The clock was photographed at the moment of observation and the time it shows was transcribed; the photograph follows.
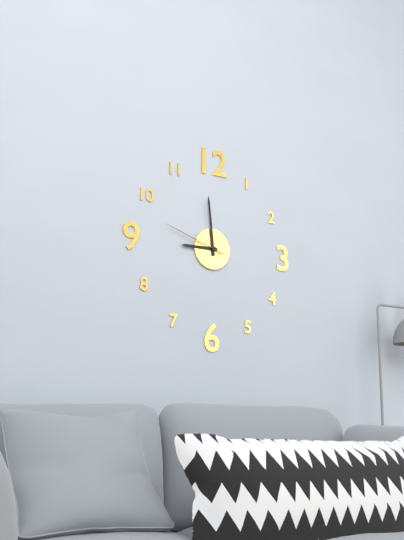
8:59:48
